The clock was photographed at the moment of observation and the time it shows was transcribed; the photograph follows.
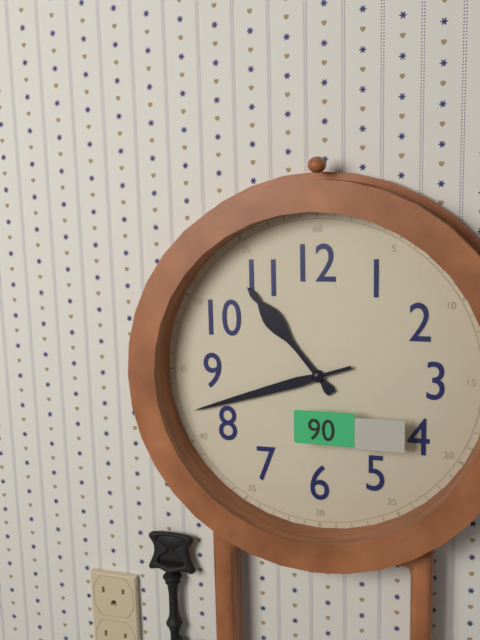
10:42
